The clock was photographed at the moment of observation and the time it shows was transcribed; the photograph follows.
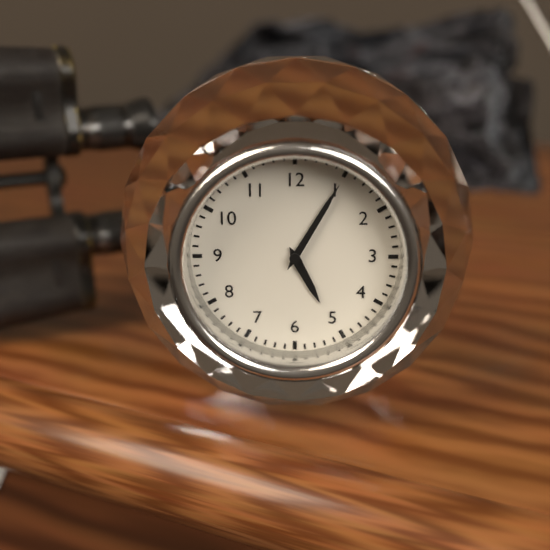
5:05
